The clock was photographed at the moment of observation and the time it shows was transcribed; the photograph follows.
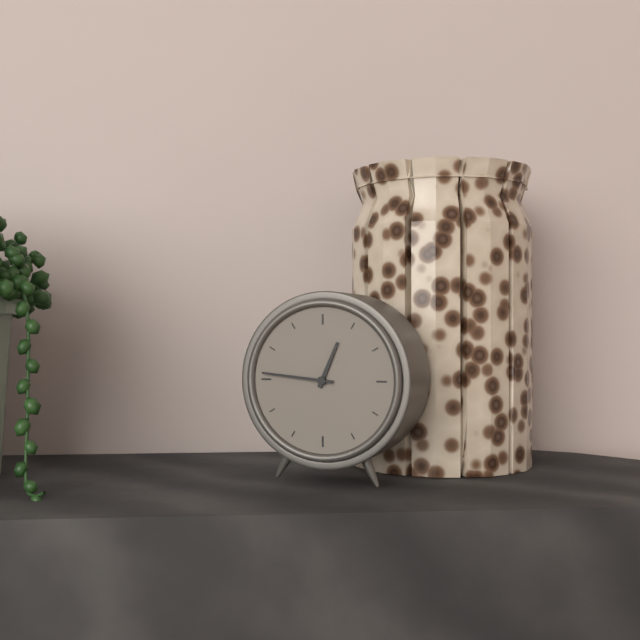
12:46
